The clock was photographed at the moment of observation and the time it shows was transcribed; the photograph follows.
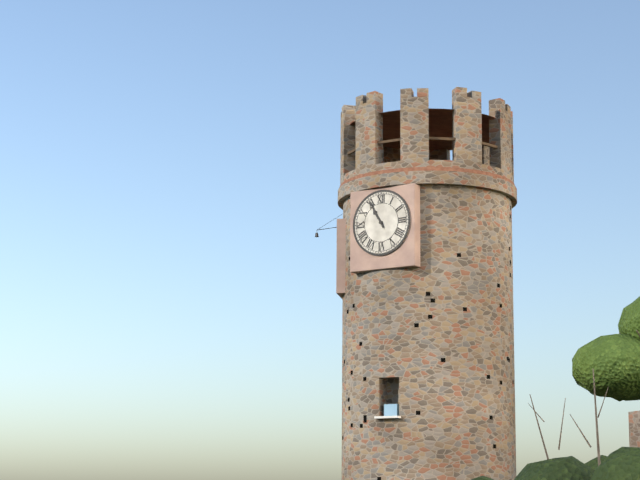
10:55
